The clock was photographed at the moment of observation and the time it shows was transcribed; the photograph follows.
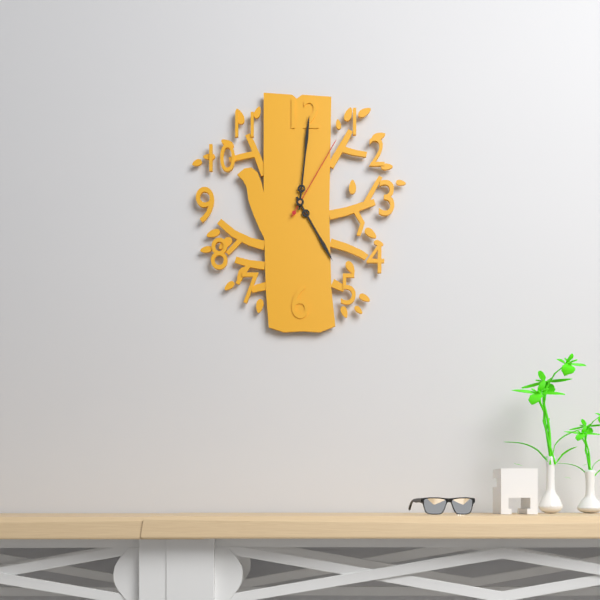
5:01:05
